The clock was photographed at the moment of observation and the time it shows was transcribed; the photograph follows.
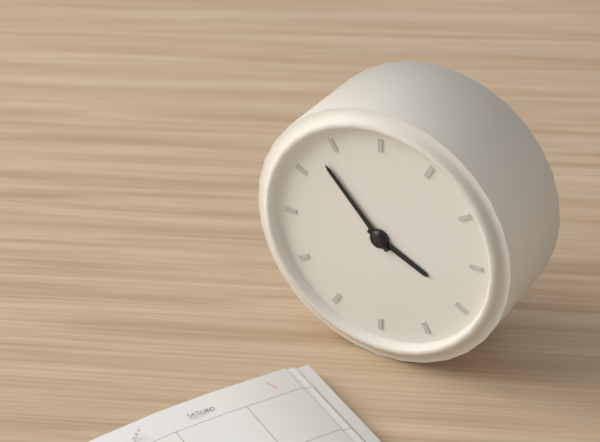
3:53
